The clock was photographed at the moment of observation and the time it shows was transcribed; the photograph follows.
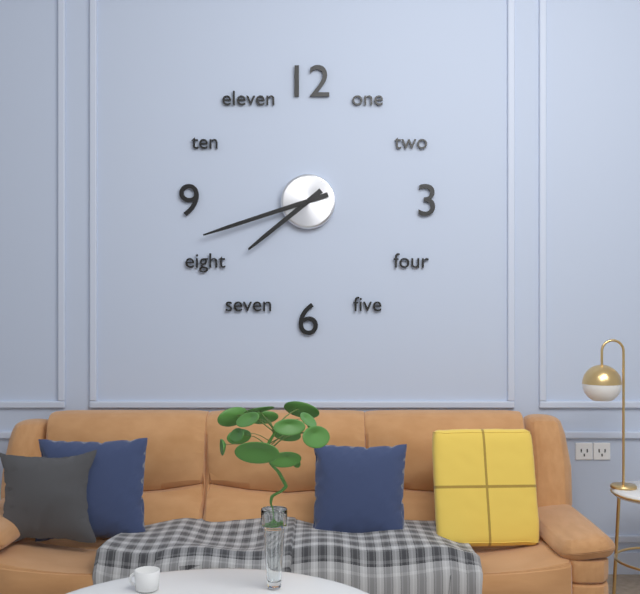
7:42
